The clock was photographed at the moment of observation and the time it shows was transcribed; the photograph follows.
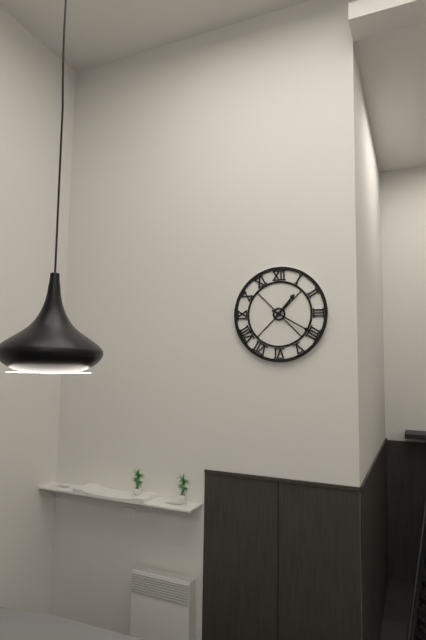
1:20
